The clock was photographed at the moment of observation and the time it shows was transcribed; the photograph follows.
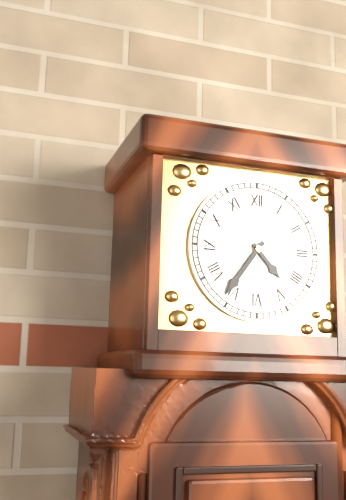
4:36
